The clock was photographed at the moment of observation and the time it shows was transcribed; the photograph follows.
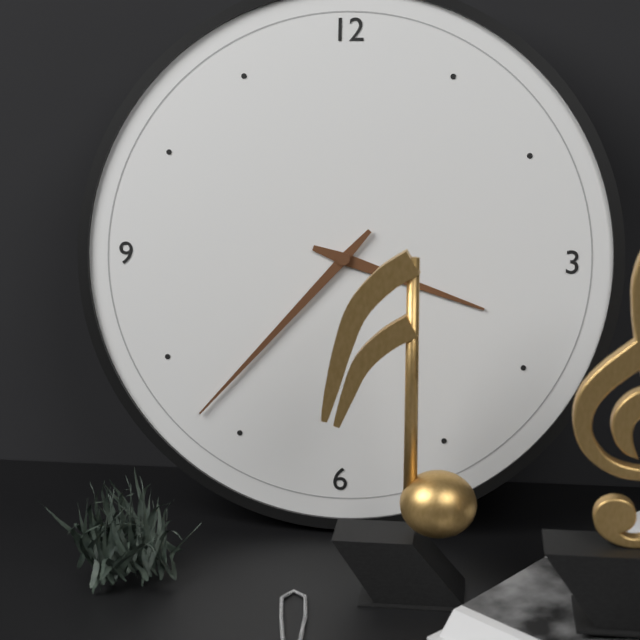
3:37
